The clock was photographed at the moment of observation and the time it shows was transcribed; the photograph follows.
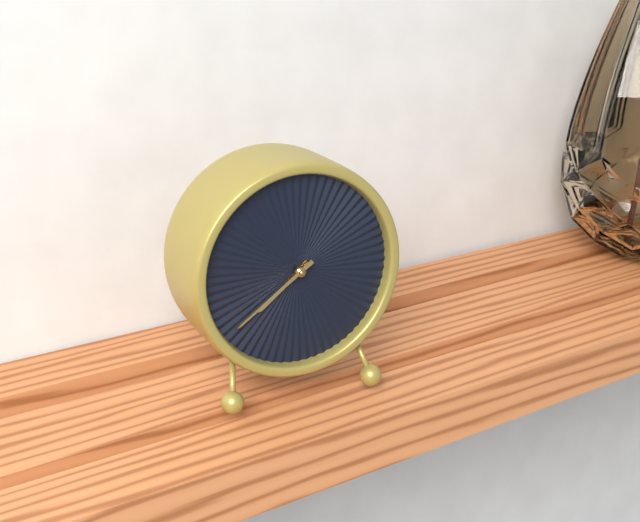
7:39
